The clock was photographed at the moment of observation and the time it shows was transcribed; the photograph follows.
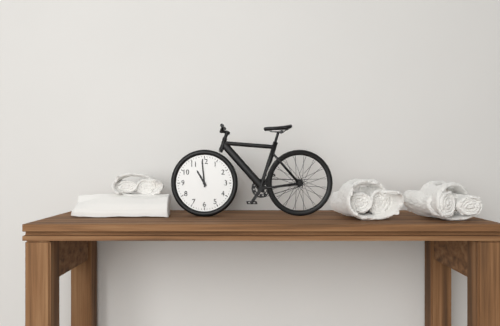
10:59
